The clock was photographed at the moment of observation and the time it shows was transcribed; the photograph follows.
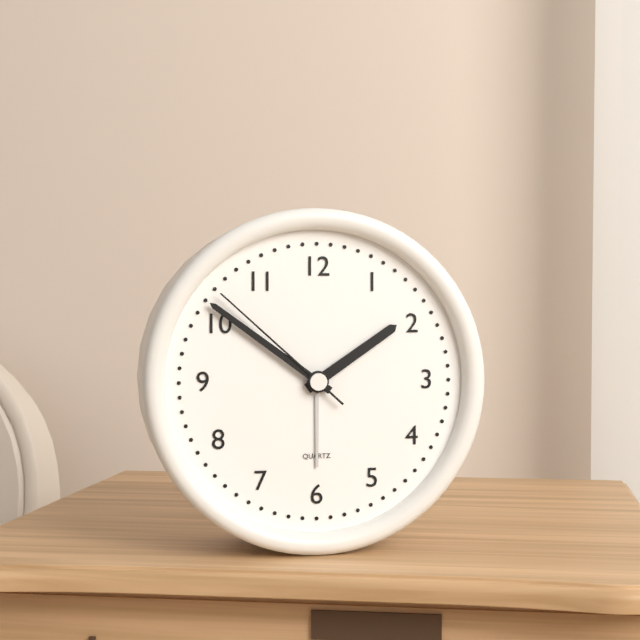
1:51:52
